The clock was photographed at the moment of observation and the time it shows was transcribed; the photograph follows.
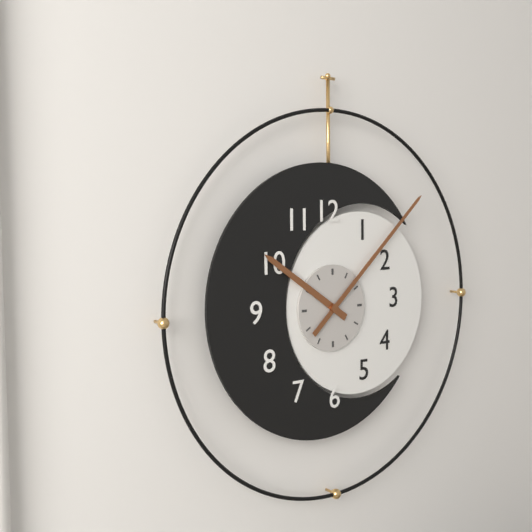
10:08
